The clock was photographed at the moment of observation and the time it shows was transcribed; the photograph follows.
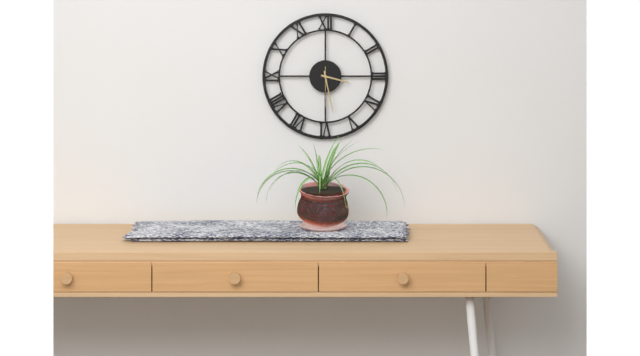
3:28
